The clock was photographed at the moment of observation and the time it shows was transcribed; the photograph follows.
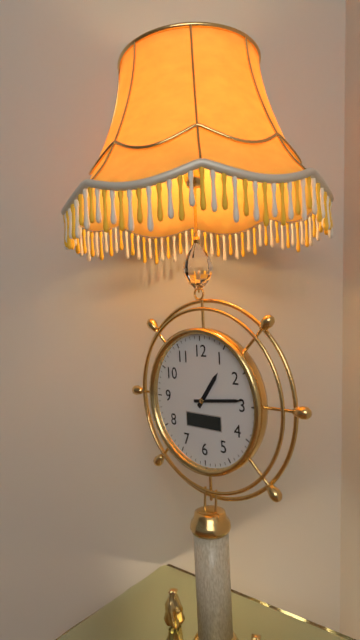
1:14
